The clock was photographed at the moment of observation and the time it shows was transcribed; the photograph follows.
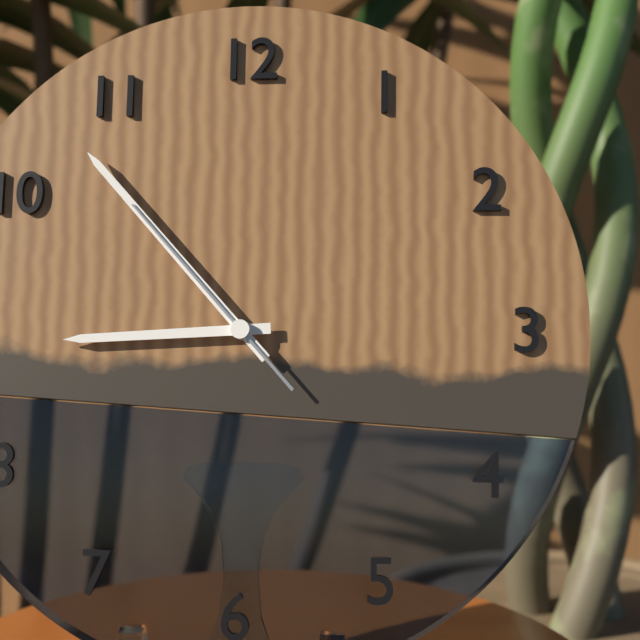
8:53:53
